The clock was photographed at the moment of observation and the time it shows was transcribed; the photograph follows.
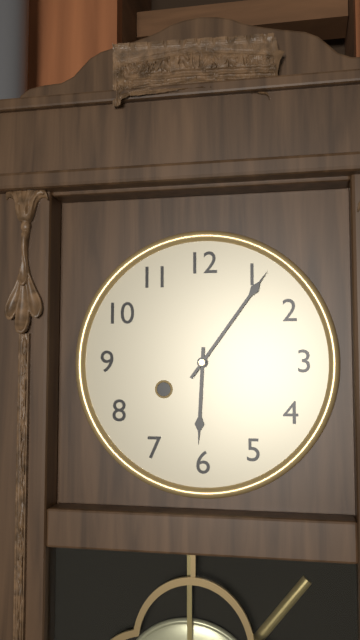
6:06
